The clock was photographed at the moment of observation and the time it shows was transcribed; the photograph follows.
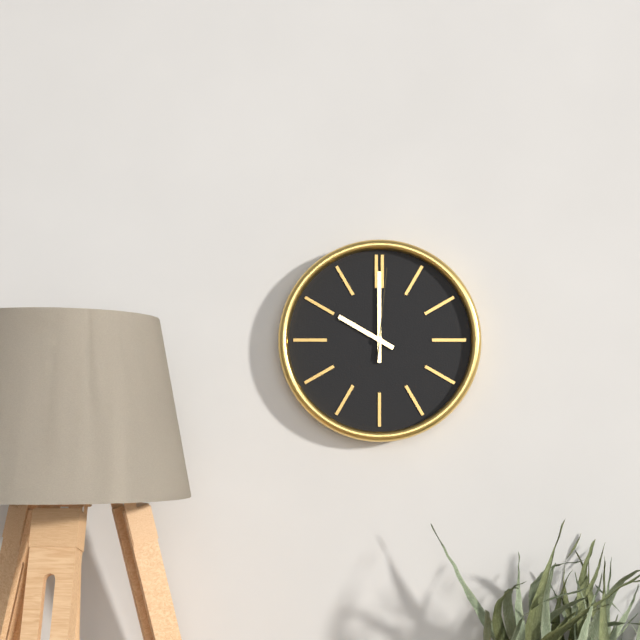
10:00:01
